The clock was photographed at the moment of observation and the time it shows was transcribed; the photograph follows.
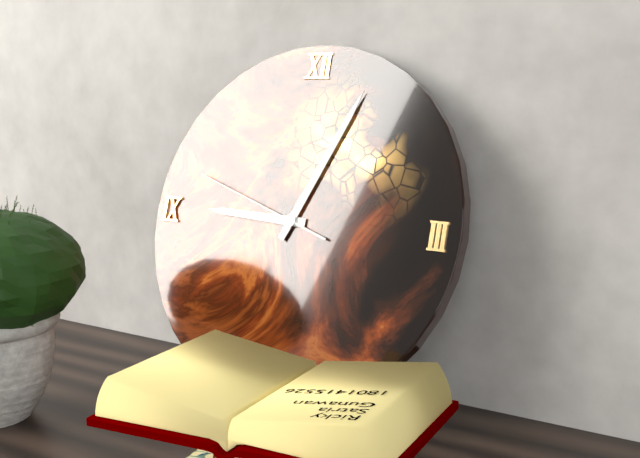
9:04:48
